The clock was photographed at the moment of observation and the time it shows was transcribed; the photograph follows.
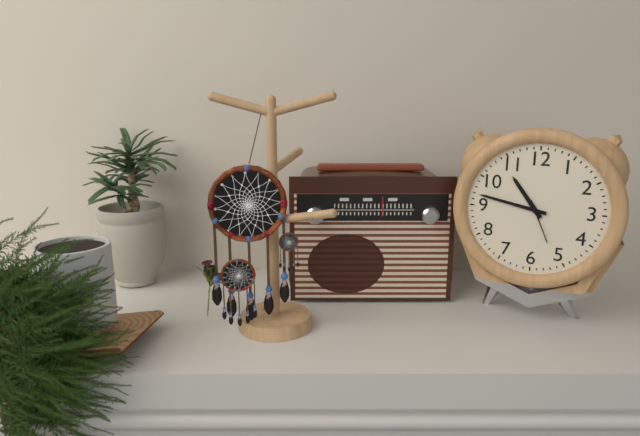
10:47
